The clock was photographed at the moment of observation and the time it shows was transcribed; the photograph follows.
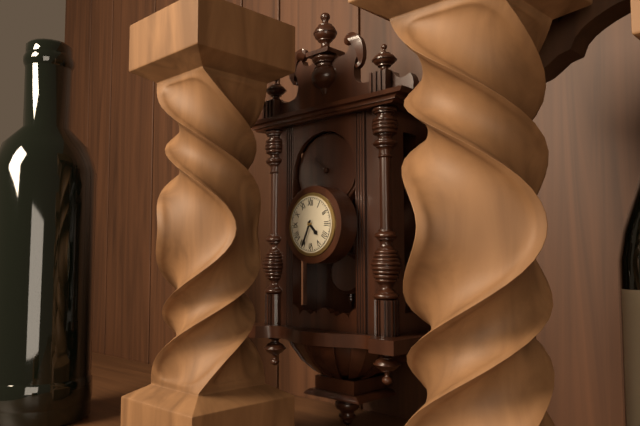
4:34
